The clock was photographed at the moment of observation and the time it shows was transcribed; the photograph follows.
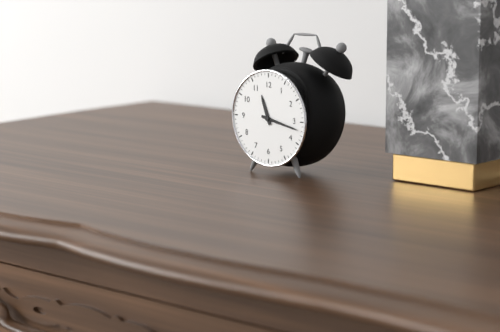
11:17
